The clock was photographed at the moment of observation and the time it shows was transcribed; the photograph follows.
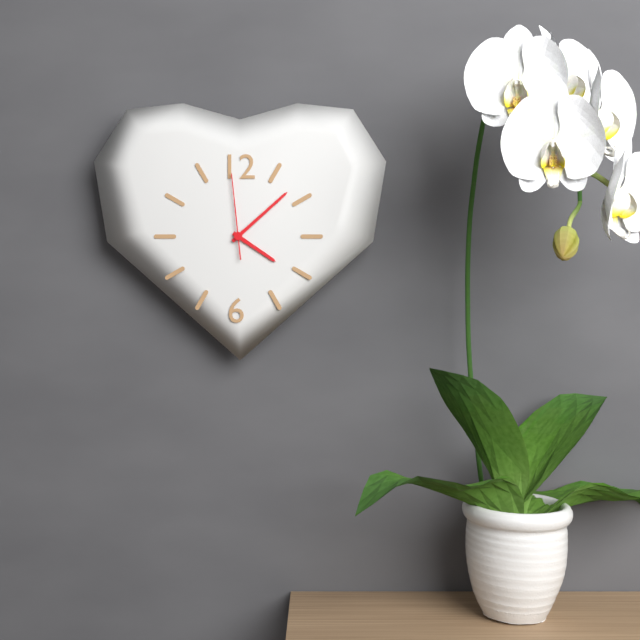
4:08:59
